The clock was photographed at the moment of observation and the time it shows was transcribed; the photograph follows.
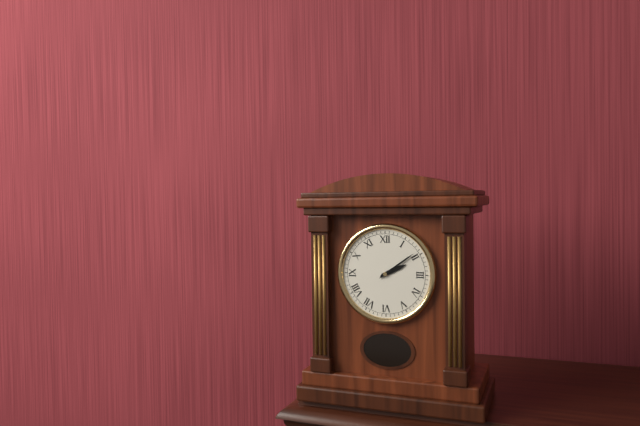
2:09
